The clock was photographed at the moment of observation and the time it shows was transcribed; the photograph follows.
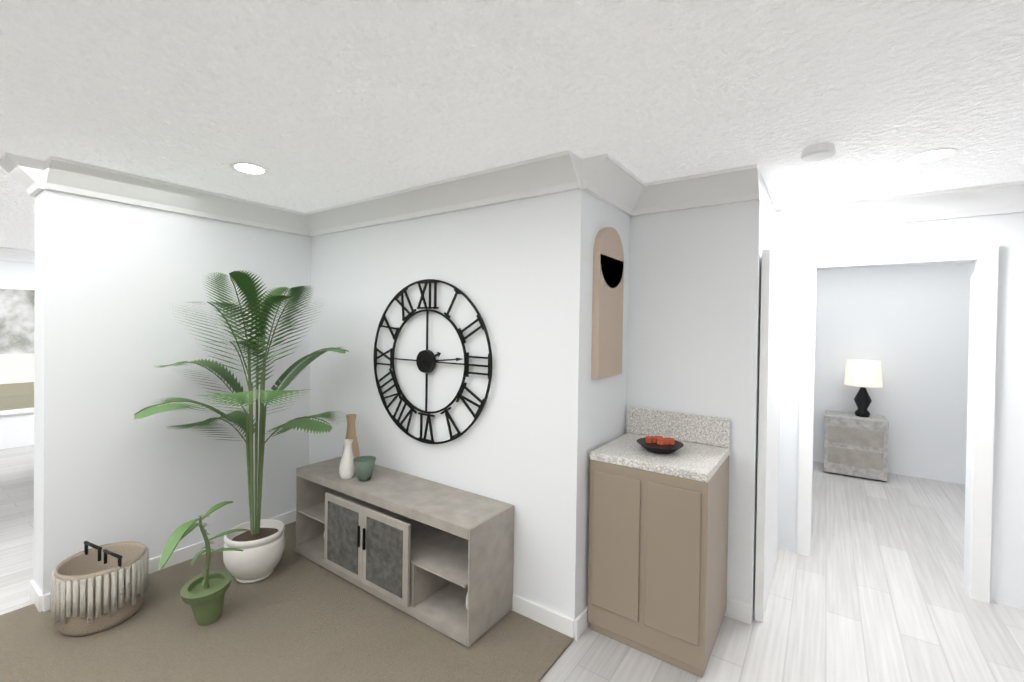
2:14
